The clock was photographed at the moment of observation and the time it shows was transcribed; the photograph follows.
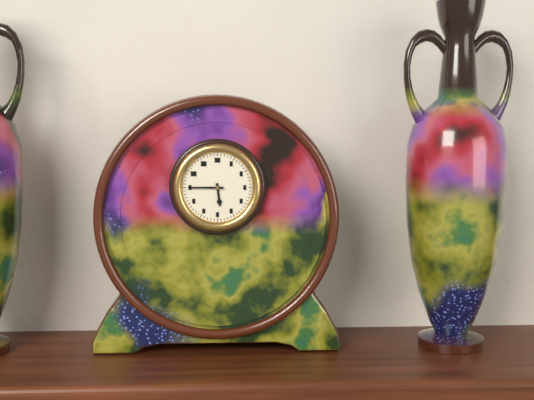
5:45
